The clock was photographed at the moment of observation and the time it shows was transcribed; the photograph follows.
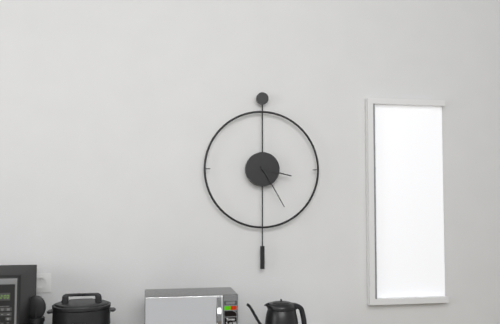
3:25
